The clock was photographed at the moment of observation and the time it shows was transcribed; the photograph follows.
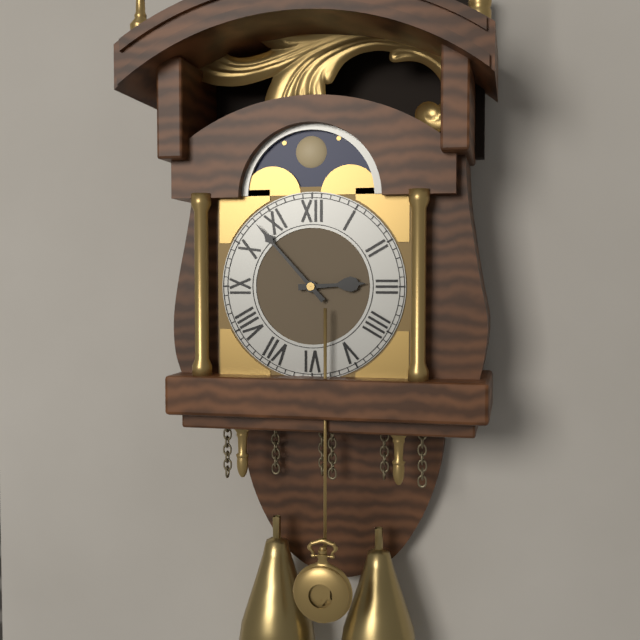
2:53
